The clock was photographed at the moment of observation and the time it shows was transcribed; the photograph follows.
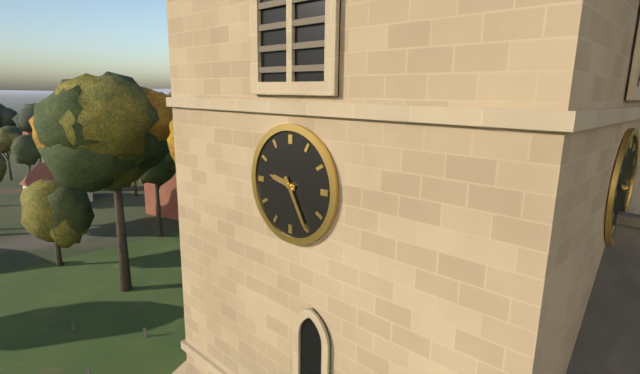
9:25
